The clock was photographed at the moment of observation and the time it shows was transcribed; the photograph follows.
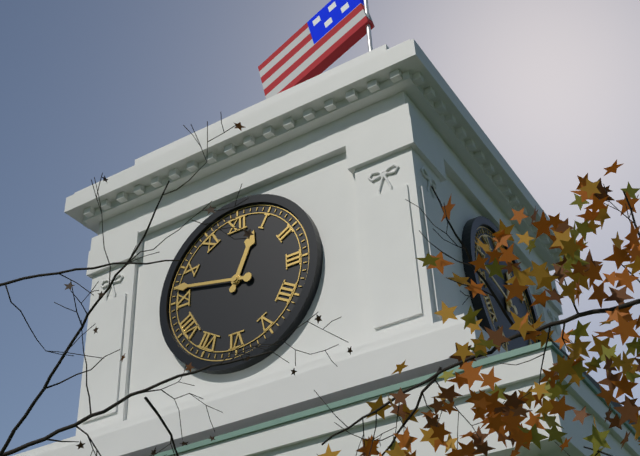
12:47
